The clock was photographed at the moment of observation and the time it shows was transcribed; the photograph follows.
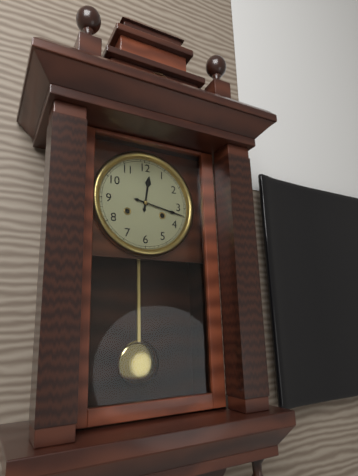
12:17
